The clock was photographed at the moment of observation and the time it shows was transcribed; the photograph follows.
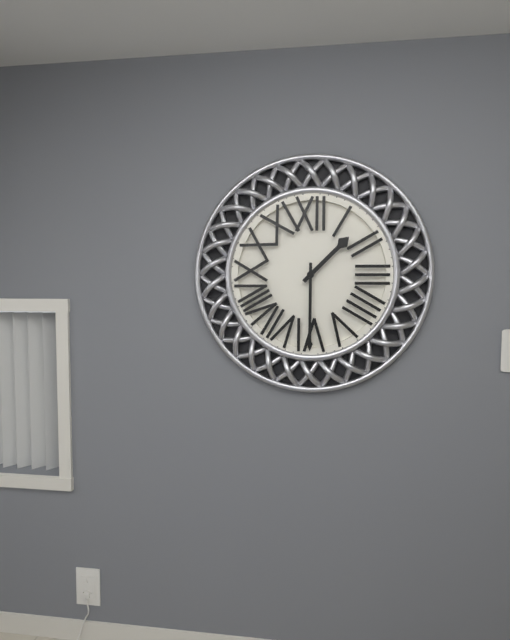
1:30
